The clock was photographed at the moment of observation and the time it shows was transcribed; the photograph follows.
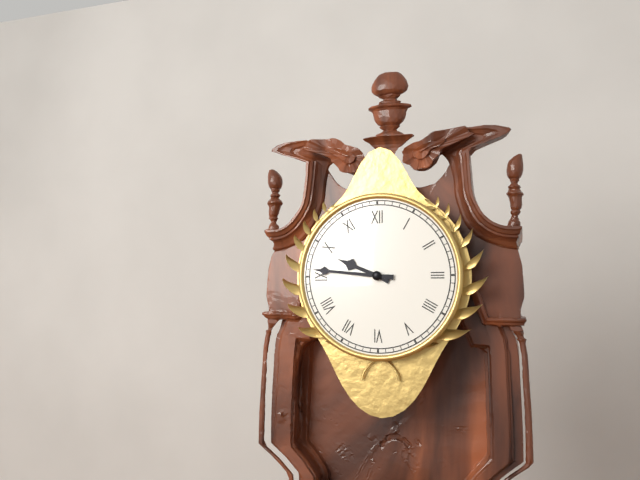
9:46
